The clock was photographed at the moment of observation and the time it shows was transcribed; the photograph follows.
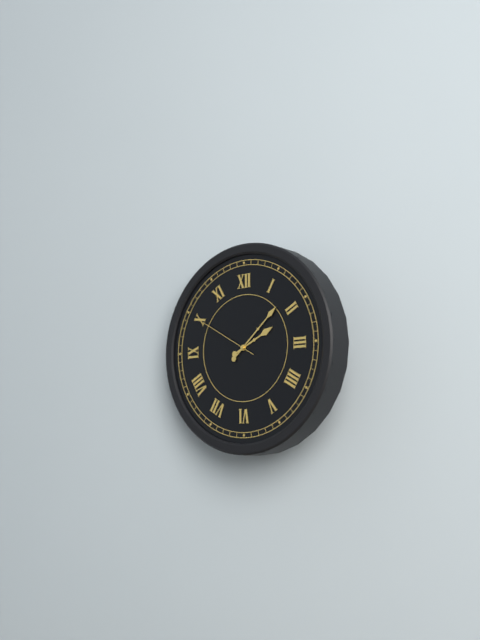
2:08:50
